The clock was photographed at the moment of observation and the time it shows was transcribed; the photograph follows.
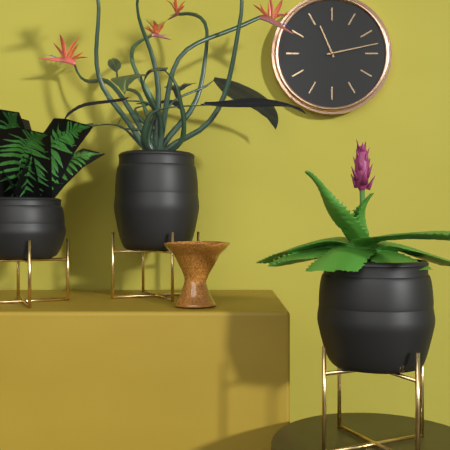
11:13
